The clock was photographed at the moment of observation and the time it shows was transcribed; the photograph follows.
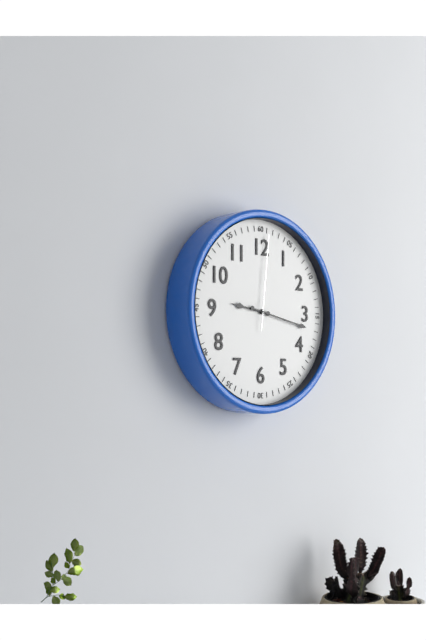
9:17:01
